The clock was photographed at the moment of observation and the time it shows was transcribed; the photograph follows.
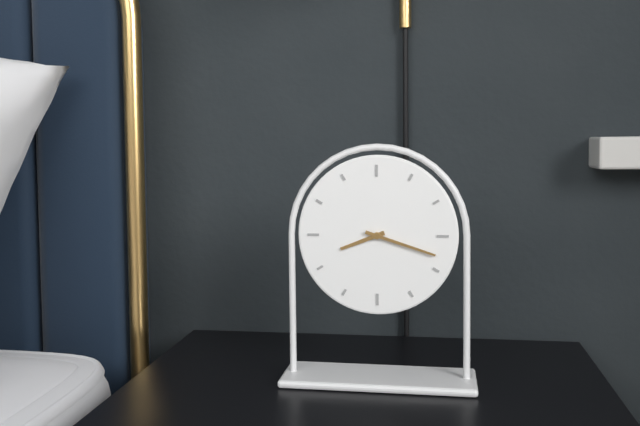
8:18
